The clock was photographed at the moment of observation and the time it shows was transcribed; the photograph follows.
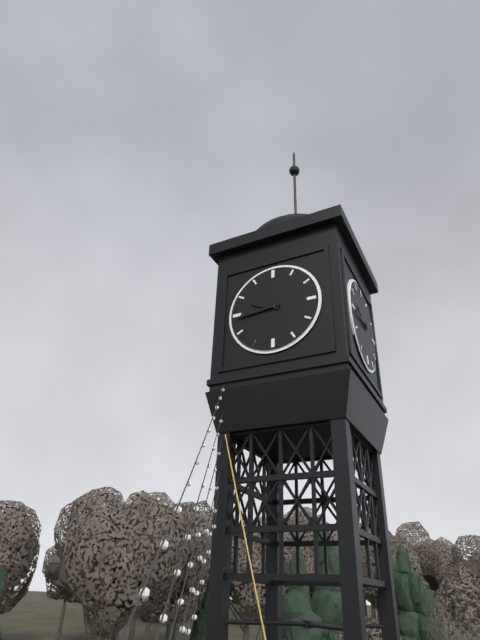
9:44
